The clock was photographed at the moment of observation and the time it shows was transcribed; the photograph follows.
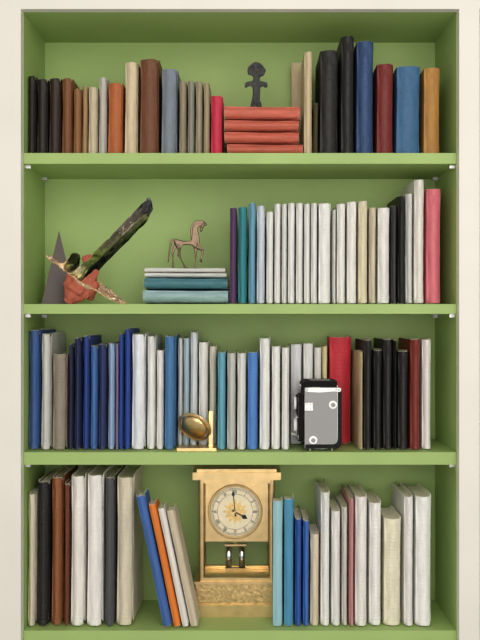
3:59
